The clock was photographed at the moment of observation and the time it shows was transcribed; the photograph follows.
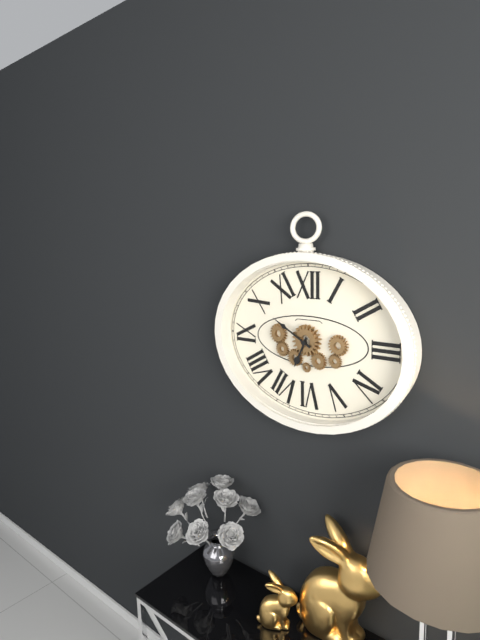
6:50
